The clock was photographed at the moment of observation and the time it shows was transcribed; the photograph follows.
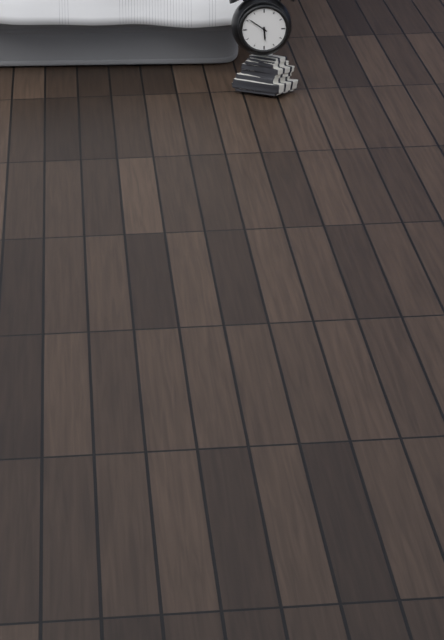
5:51
